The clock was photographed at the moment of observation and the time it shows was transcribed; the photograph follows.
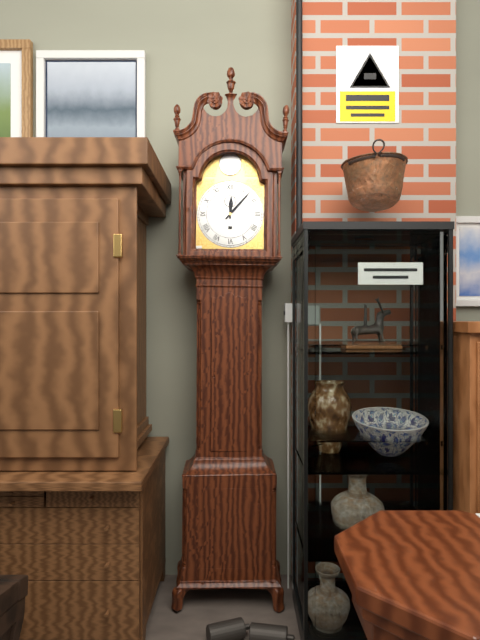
12:07
